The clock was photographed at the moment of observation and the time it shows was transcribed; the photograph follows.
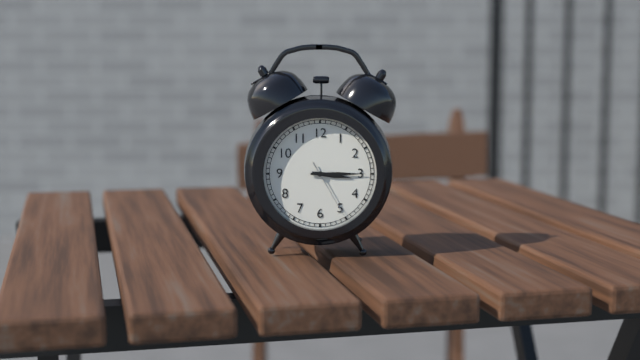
3:15:25
